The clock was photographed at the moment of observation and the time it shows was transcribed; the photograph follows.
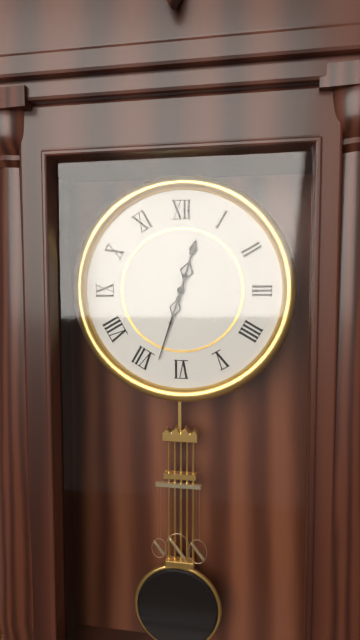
12:33
